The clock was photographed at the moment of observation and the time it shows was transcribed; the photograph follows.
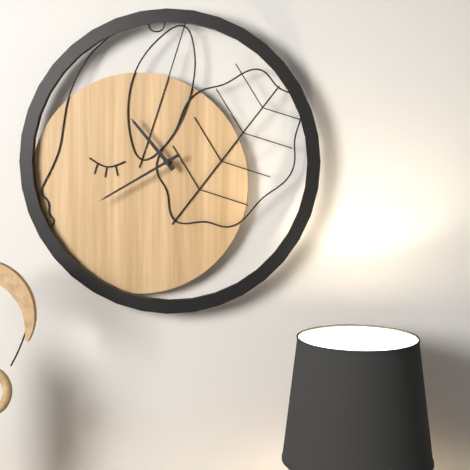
10:40
